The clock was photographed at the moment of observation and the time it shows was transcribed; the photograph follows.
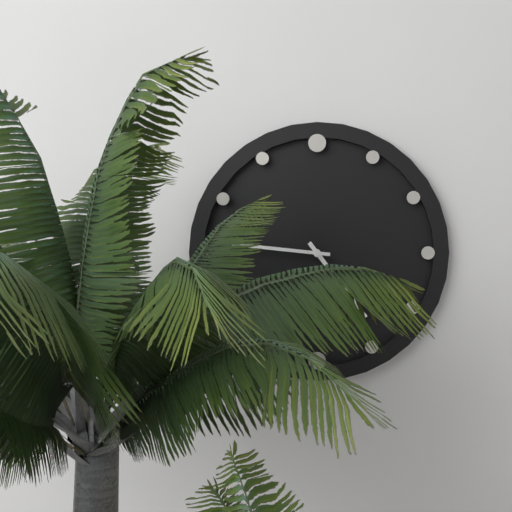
4:46
